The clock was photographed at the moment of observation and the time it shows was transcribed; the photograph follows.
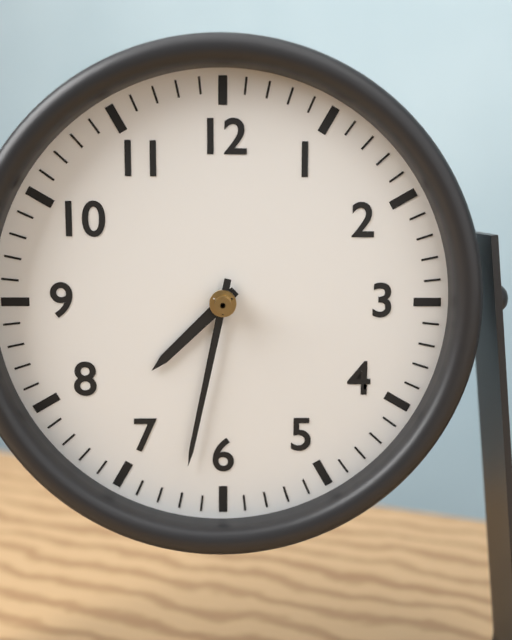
7:32
